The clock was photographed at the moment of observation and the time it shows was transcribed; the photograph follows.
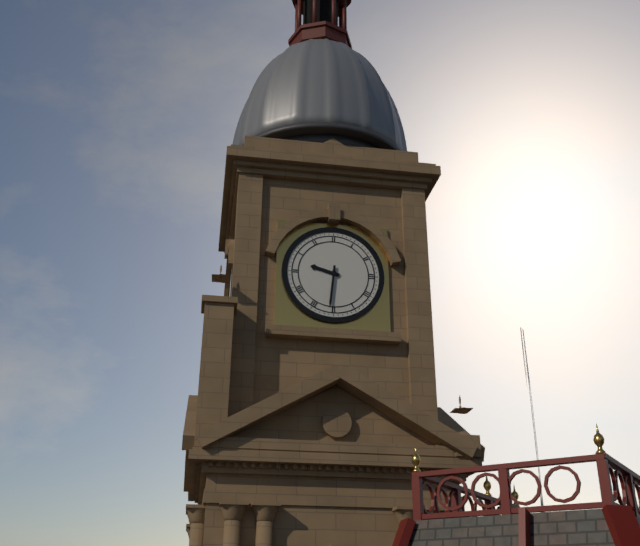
9:31
